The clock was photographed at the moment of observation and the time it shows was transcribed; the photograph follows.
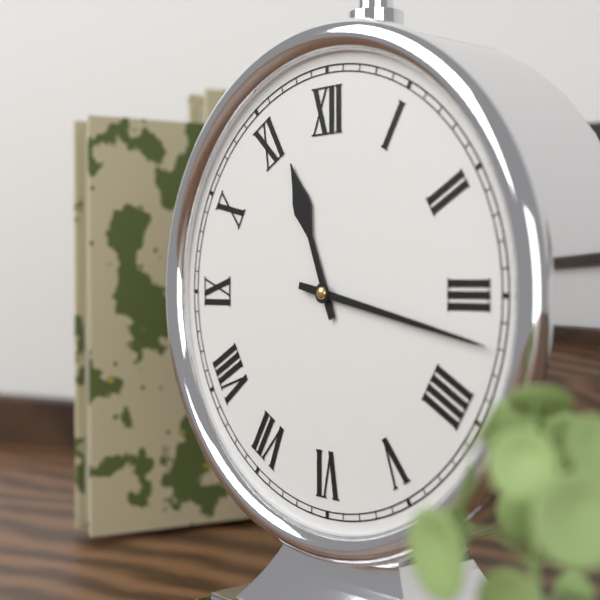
11:17
